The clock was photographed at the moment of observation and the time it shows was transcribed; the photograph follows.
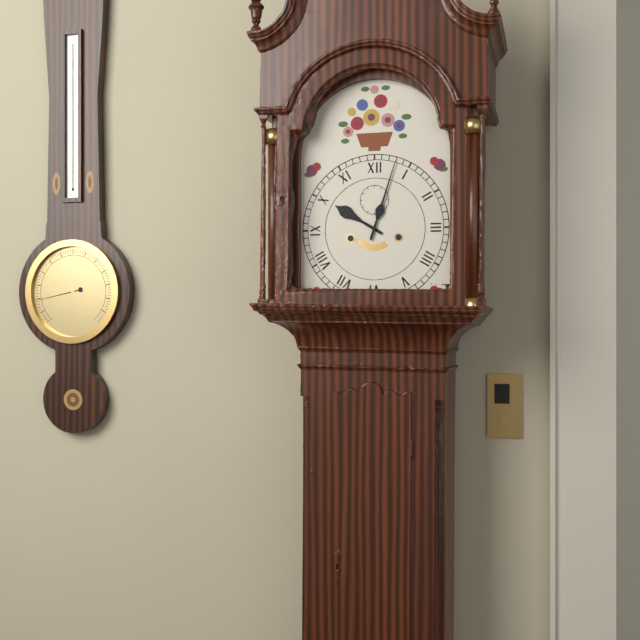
10:03
